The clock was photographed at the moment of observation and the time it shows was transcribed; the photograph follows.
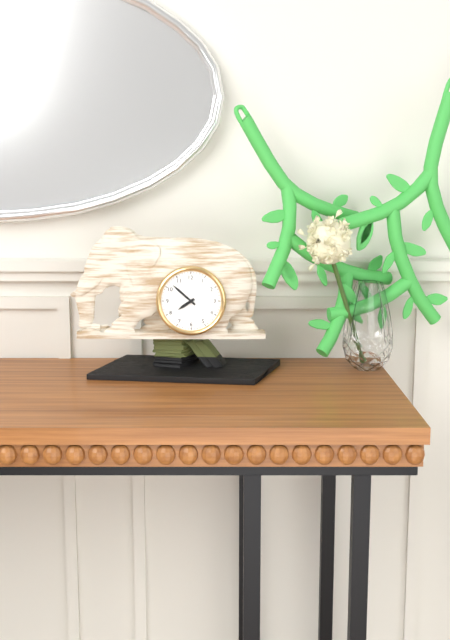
7:52
